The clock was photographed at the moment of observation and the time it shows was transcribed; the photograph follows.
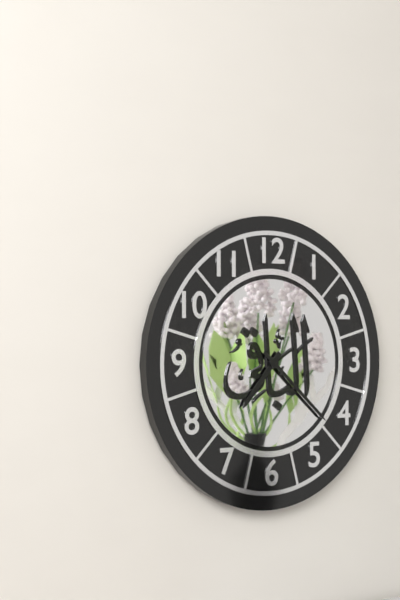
7:22
